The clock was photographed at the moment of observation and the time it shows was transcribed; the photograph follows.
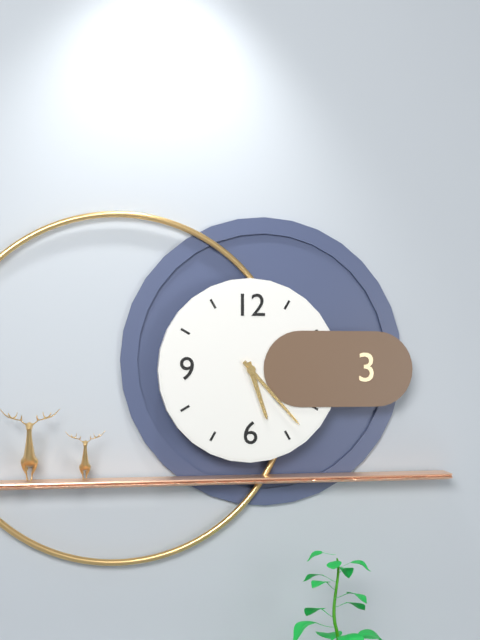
5:23
